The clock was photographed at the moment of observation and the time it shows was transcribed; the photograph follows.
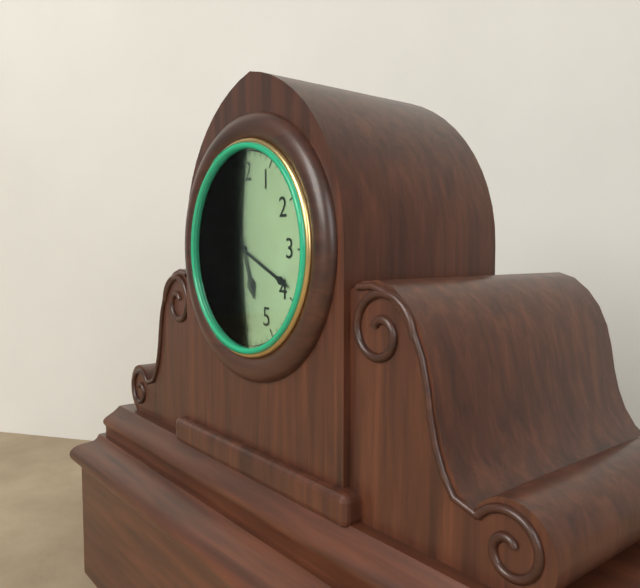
5:19
